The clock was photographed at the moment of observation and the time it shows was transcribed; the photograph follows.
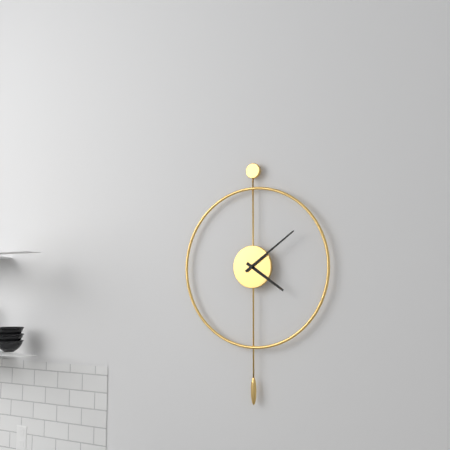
4:09
